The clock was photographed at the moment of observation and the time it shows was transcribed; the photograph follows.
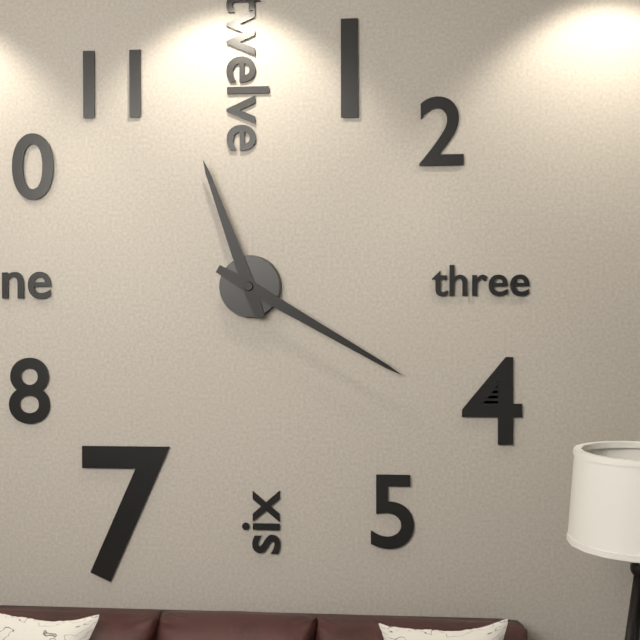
11:20
